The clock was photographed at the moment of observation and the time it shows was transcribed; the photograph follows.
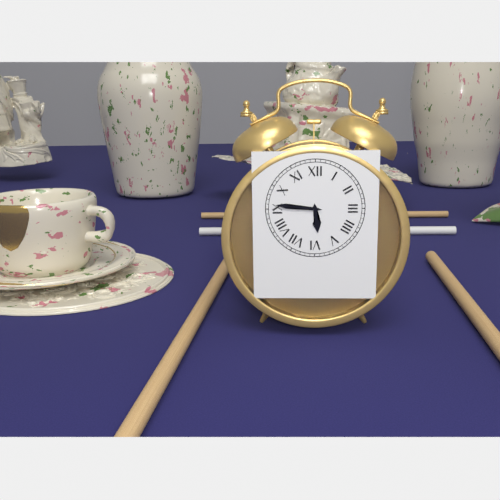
5:46
